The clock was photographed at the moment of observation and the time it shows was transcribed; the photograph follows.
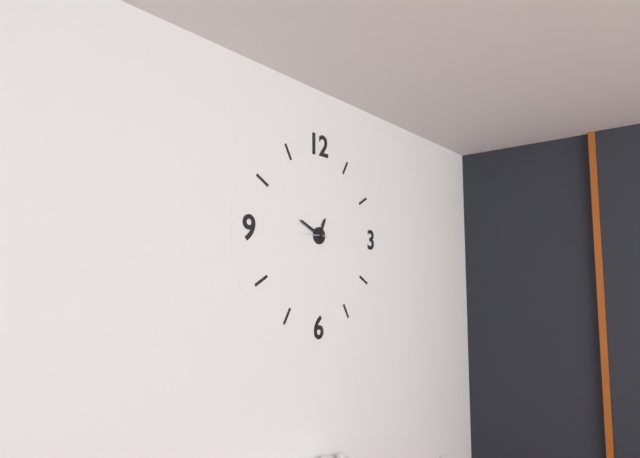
12:49
